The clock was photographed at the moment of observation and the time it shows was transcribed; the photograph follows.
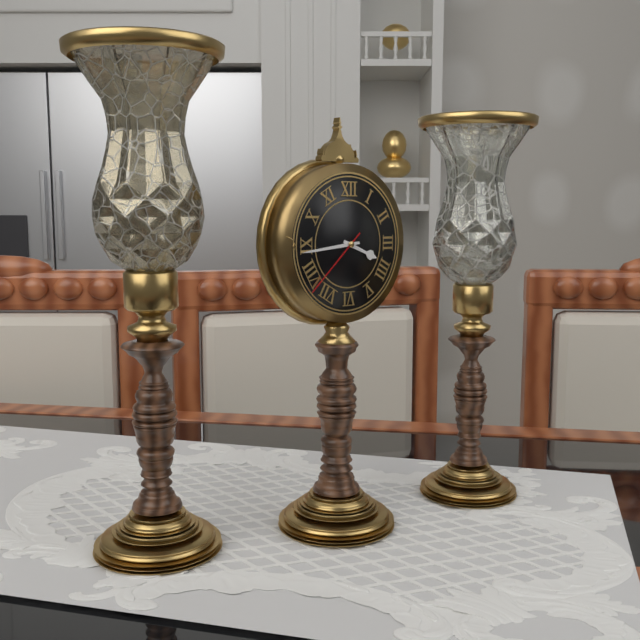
3:44:38
